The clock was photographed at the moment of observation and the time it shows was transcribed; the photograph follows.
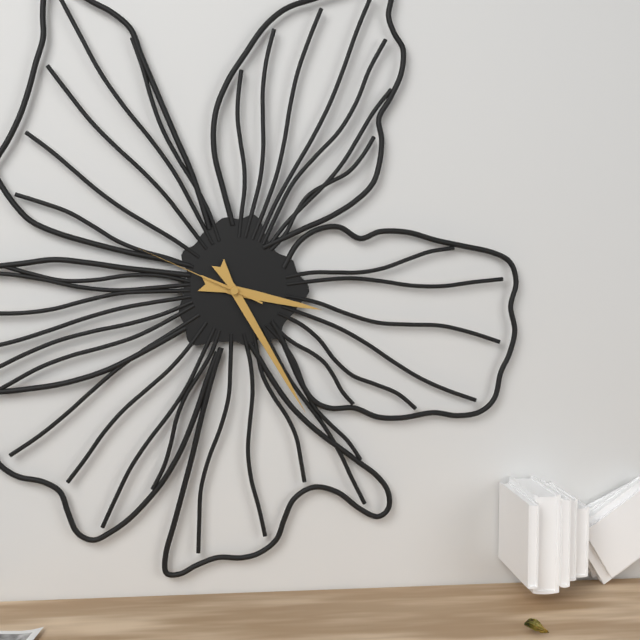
3:25:49
